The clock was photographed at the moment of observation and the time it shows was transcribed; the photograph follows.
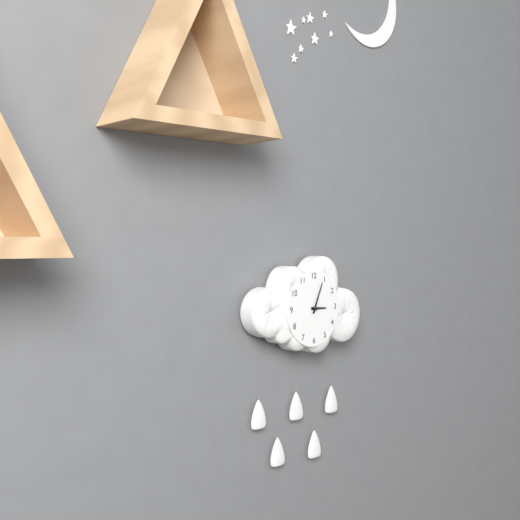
3:04
